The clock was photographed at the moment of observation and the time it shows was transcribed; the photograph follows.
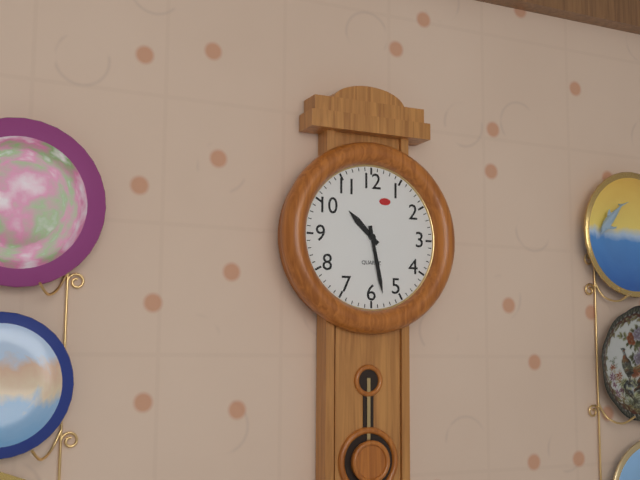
10:28
